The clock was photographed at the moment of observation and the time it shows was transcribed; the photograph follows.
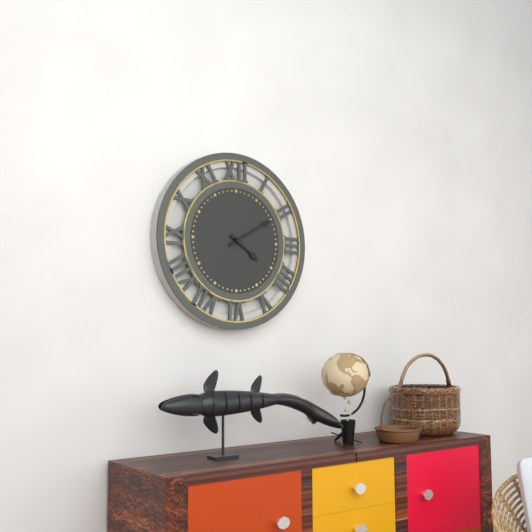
4:10
